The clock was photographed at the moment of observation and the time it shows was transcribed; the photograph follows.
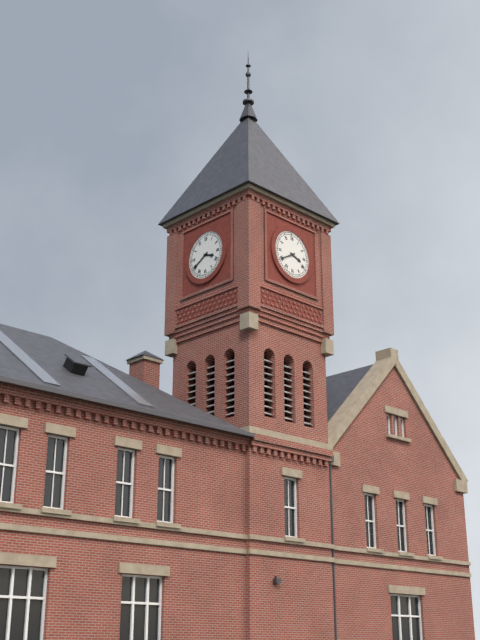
3:40
